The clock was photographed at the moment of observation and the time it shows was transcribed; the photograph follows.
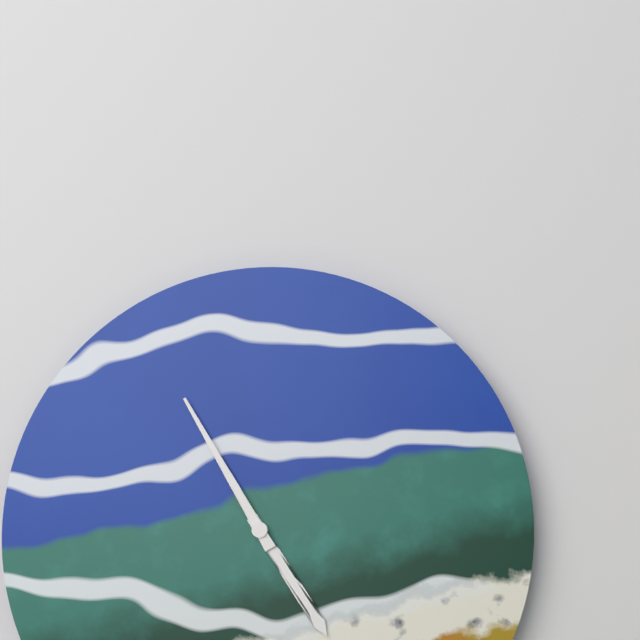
4:55
